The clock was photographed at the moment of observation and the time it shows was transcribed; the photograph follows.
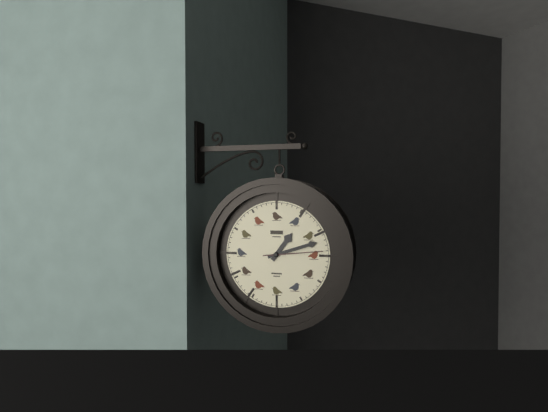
1:12:14
